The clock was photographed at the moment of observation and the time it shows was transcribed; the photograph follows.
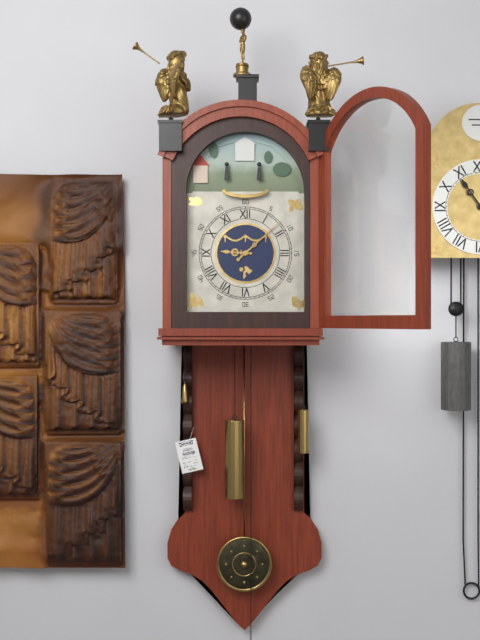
9:08
